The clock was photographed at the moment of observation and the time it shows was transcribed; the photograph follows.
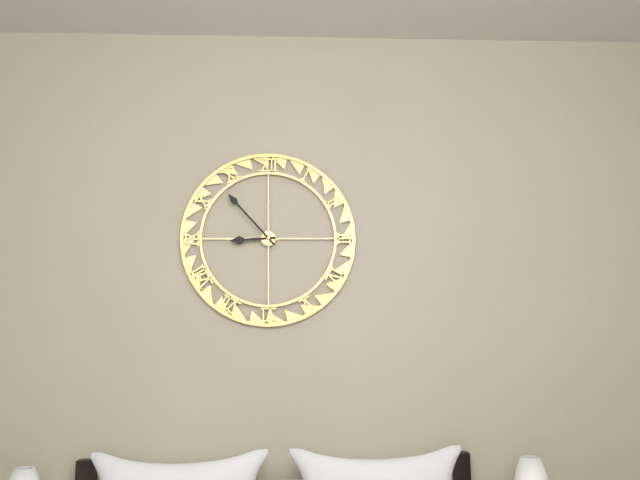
8:53
